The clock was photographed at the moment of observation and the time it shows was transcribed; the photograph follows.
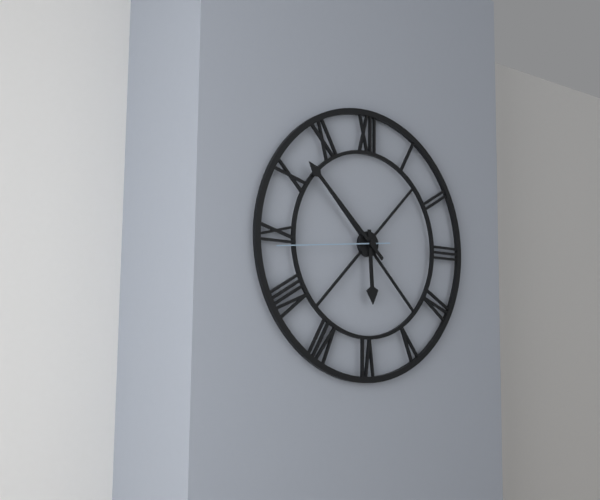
5:52:44
